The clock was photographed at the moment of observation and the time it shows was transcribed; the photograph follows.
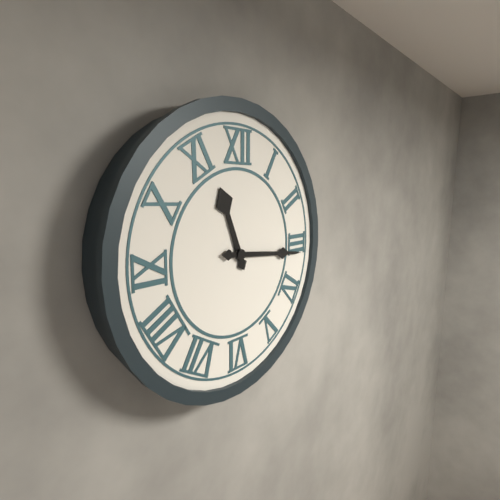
11:16
